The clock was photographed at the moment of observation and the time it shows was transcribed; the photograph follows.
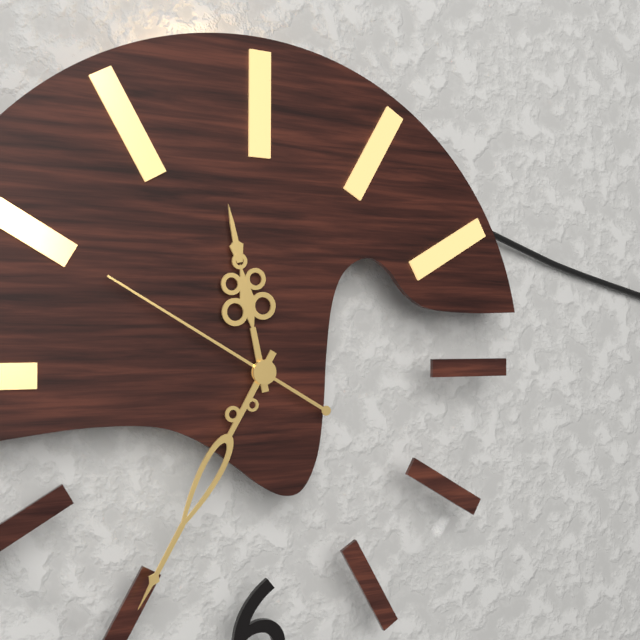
11:35:50
